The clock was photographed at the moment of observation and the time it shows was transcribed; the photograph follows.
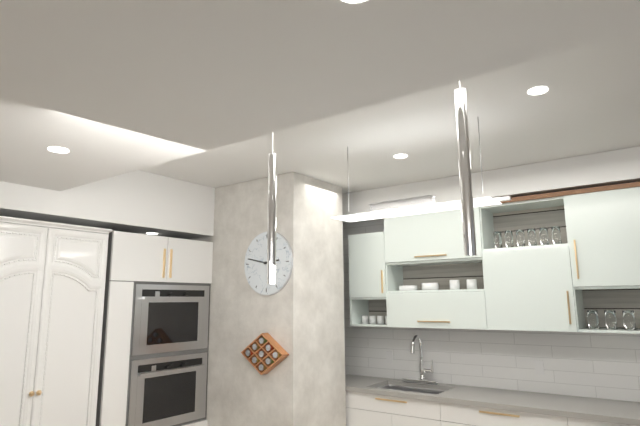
2:47
